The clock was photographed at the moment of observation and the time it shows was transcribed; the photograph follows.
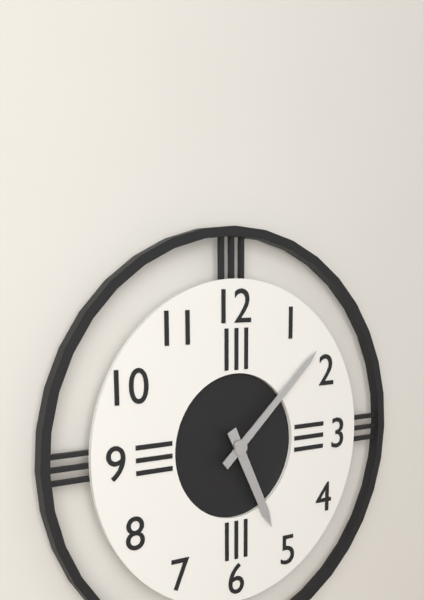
5:08
